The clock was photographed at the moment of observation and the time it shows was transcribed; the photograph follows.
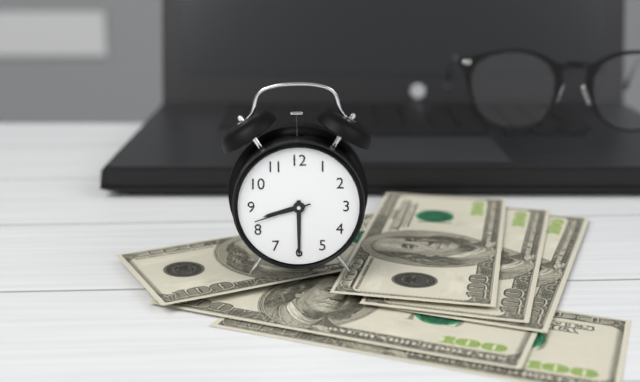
8:30:42
